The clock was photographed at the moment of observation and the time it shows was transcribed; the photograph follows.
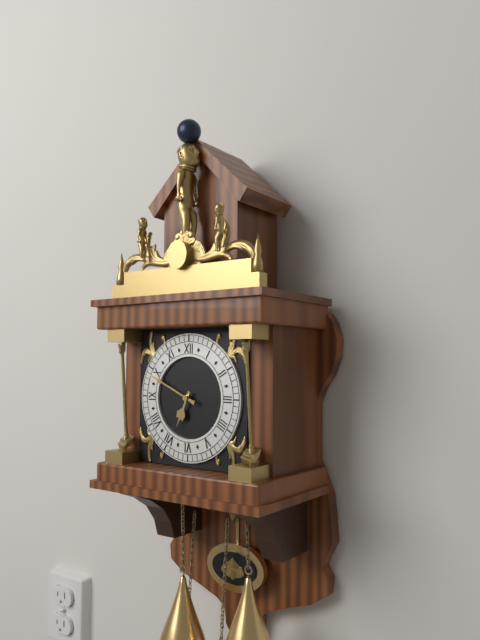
6:49
